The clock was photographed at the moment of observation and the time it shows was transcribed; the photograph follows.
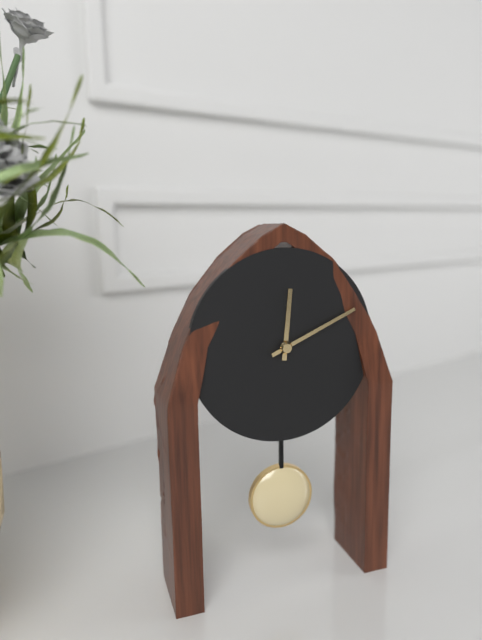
12:11
